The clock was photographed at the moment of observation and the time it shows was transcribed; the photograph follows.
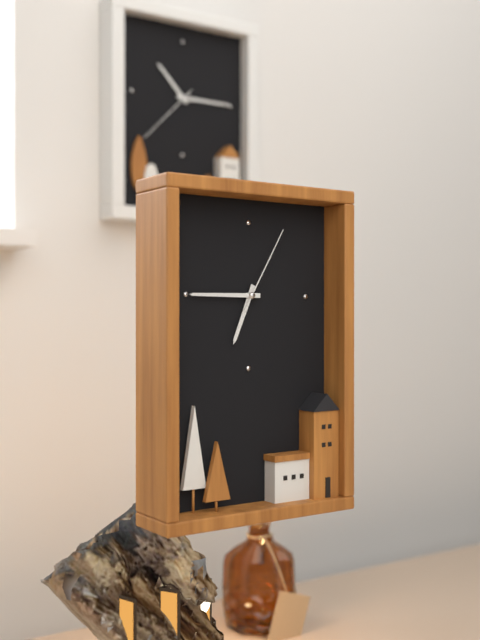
6:45:05
